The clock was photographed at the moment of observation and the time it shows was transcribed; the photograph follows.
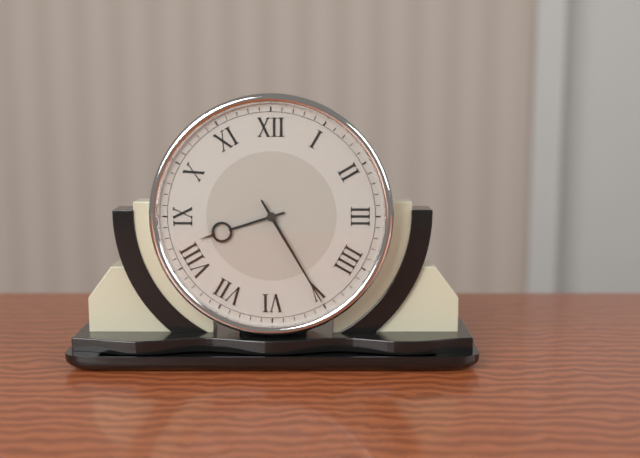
8:25
